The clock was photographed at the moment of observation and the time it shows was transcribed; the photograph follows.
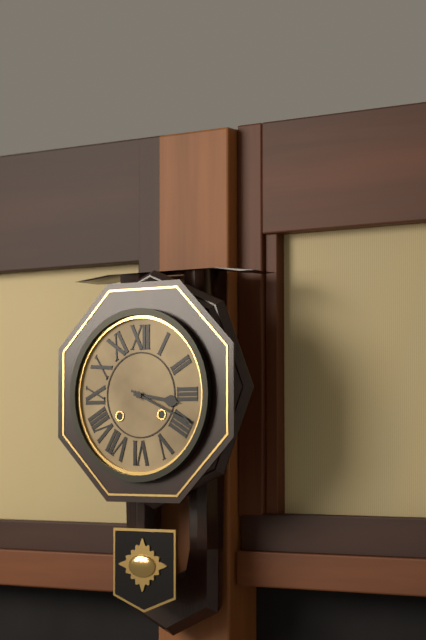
3:19
